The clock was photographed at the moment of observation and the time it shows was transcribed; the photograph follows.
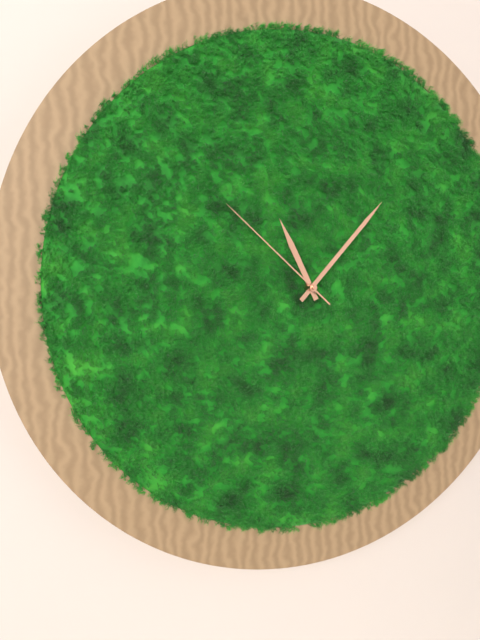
11:07:52
